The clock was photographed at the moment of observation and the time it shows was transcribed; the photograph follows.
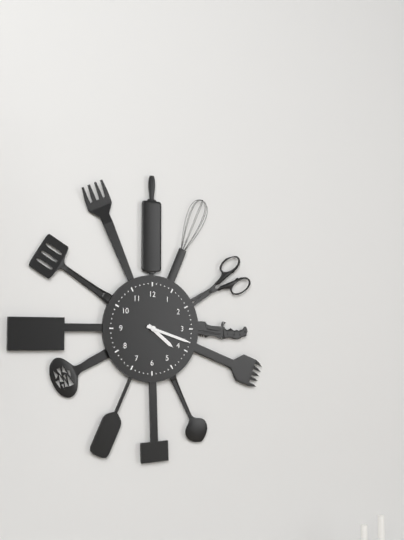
4:18
